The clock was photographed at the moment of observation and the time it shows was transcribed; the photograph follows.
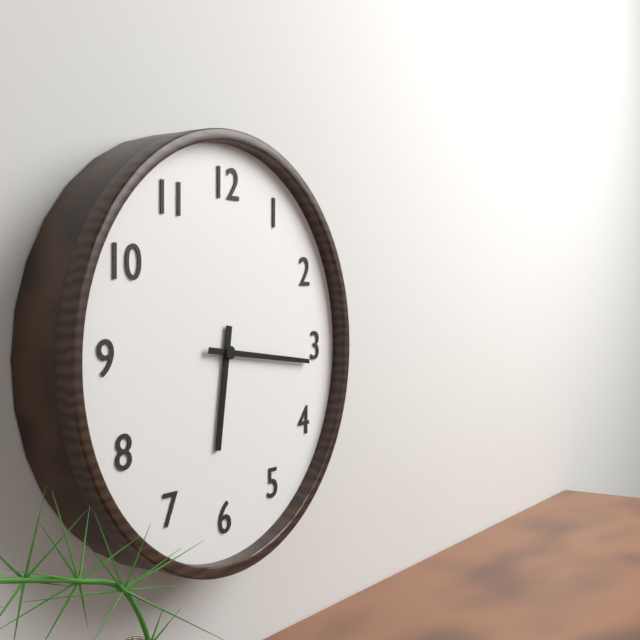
6:16
